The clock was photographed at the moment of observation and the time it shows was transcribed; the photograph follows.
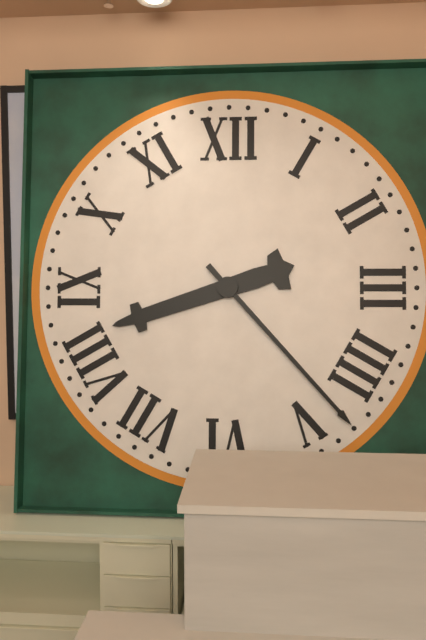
8:23
